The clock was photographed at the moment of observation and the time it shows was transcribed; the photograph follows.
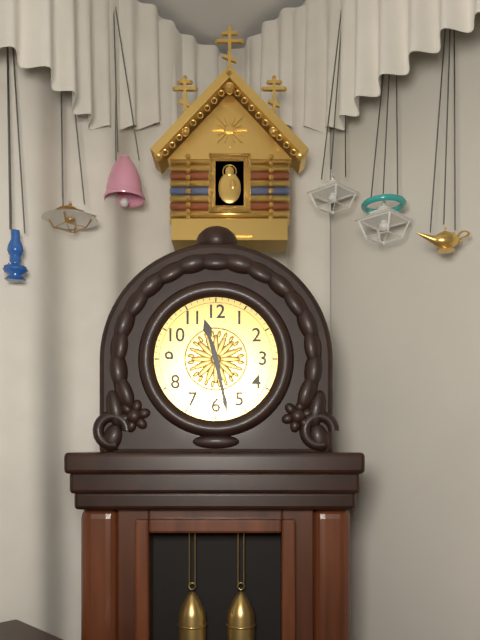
11:28
